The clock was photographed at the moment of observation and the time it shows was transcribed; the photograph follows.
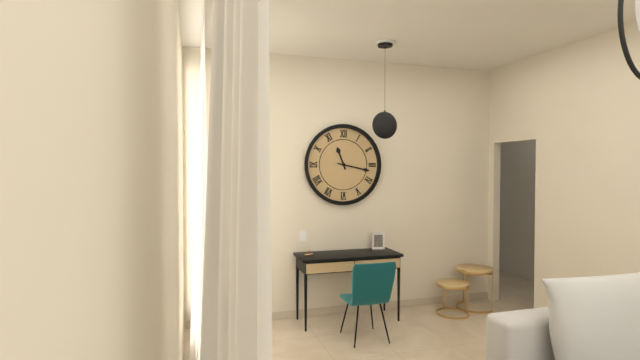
11:17
